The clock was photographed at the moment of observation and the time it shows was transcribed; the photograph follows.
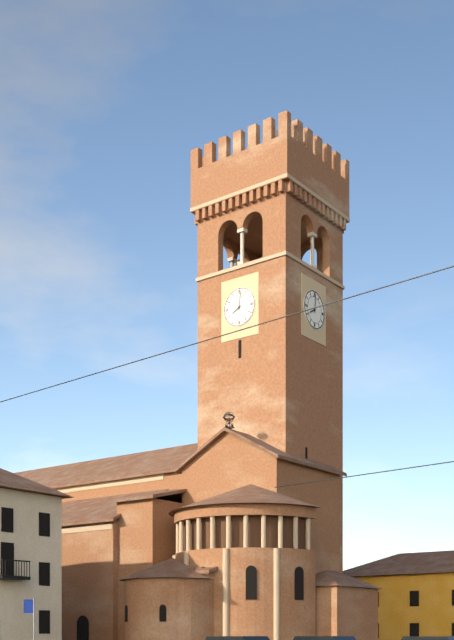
8:01
